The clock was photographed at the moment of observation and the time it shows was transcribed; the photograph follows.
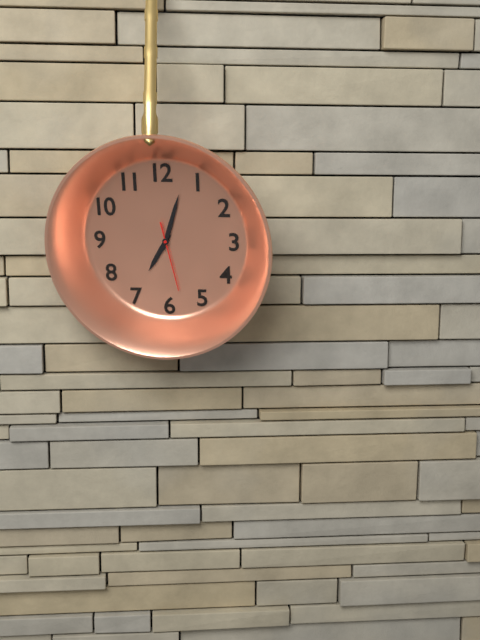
7:03:28
